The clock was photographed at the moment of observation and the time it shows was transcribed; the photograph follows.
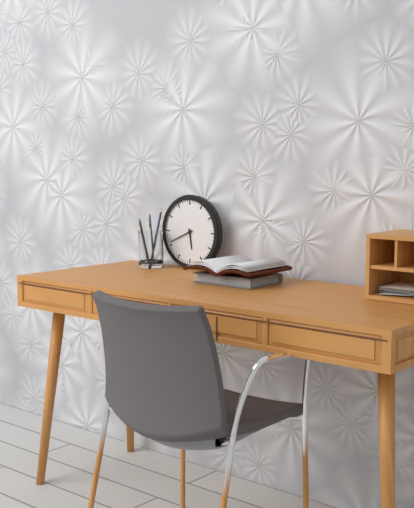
5:41
